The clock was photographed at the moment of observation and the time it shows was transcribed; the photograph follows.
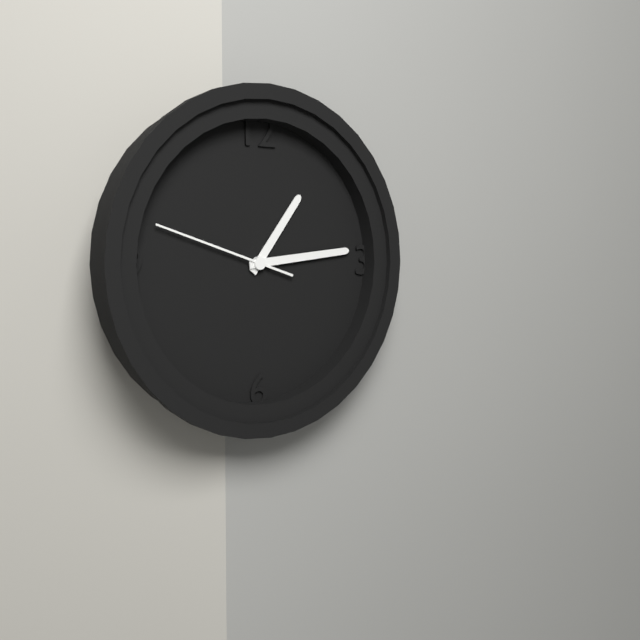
1:14:48
